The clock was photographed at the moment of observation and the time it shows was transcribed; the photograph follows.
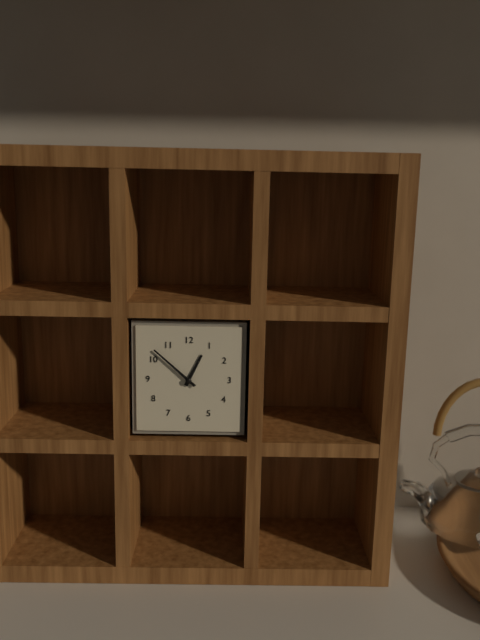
12:52
